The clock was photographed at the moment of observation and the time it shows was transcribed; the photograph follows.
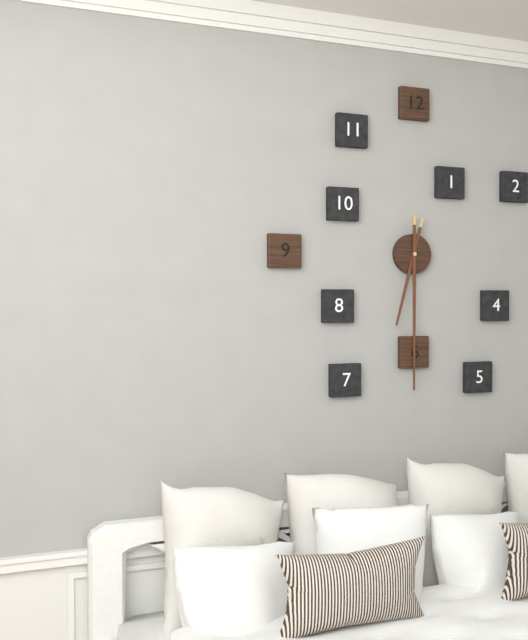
6:30
